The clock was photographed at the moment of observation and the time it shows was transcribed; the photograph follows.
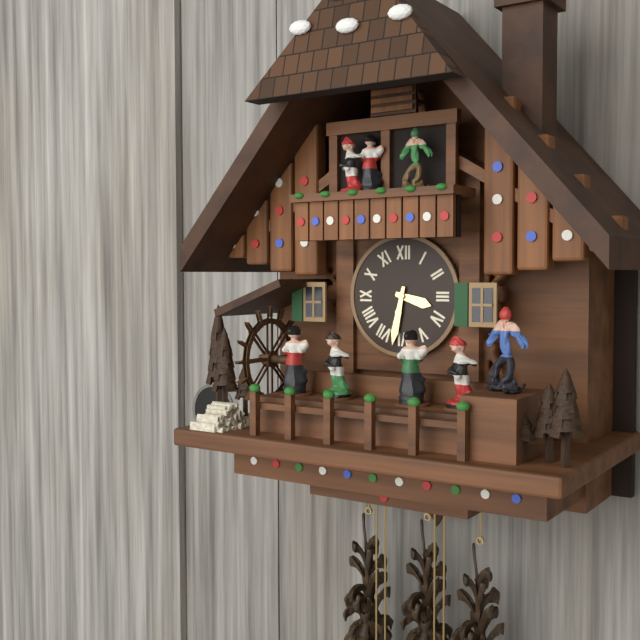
3:32
